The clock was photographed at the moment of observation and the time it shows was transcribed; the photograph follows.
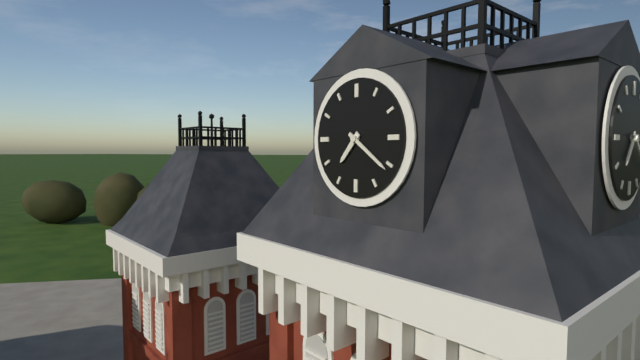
7:21
